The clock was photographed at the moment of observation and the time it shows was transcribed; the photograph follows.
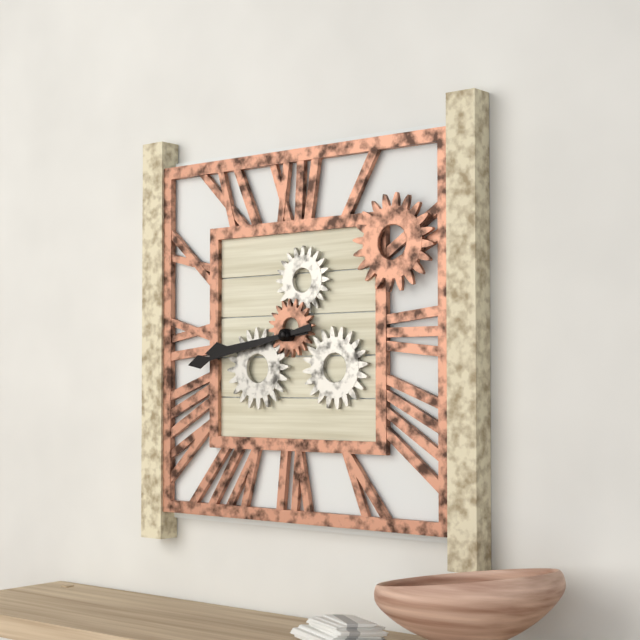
8:43
